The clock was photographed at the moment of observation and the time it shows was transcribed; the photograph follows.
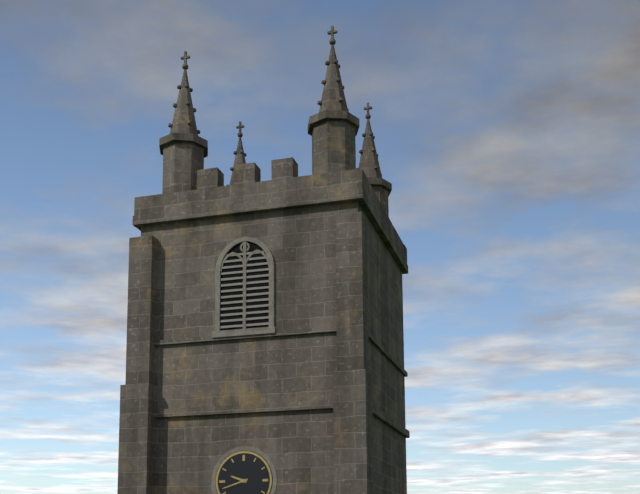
9:42
